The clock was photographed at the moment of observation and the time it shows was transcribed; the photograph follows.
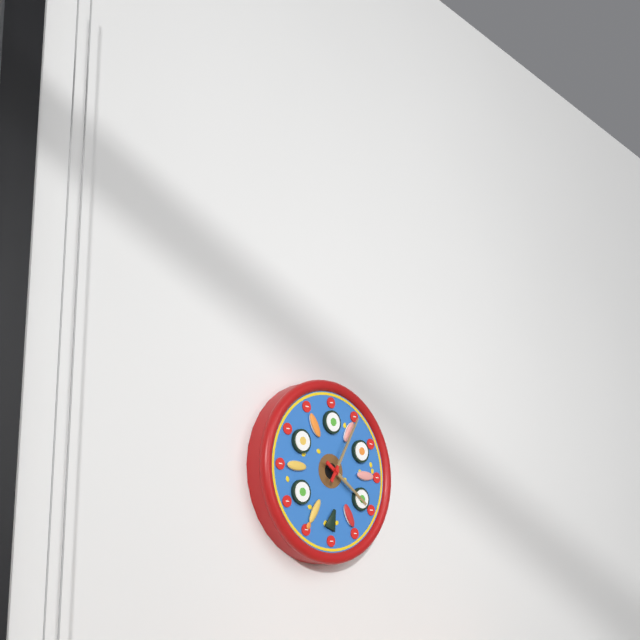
4:05
